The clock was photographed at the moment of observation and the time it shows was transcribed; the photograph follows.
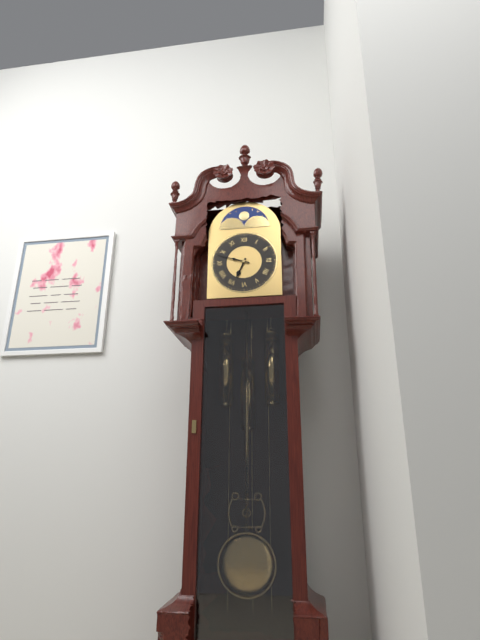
6:48
